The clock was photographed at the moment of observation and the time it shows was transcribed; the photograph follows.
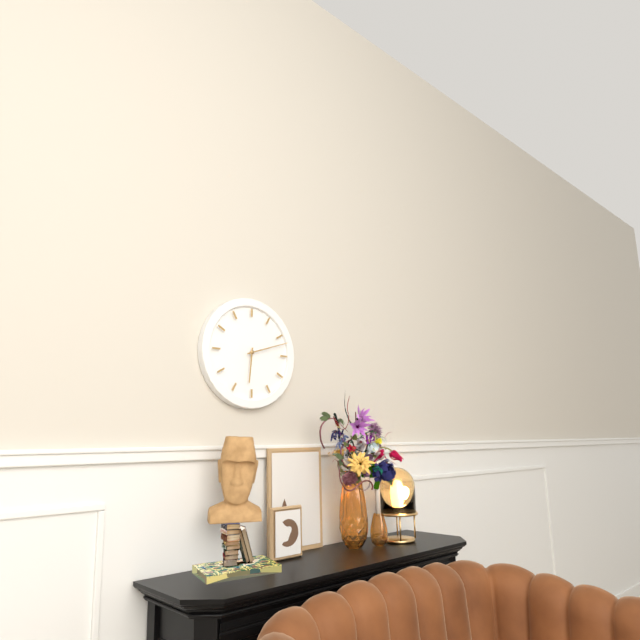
6:12
